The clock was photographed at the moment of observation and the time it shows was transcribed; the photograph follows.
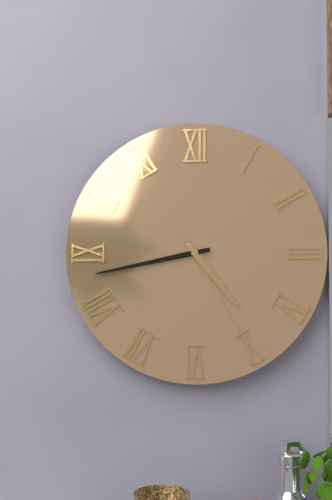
4:43:25
